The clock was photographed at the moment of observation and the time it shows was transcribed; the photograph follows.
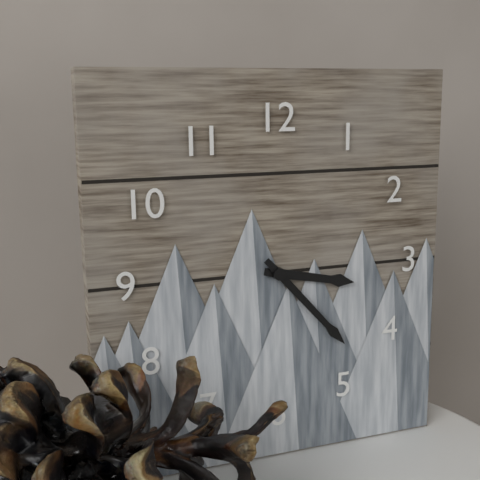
3:23
